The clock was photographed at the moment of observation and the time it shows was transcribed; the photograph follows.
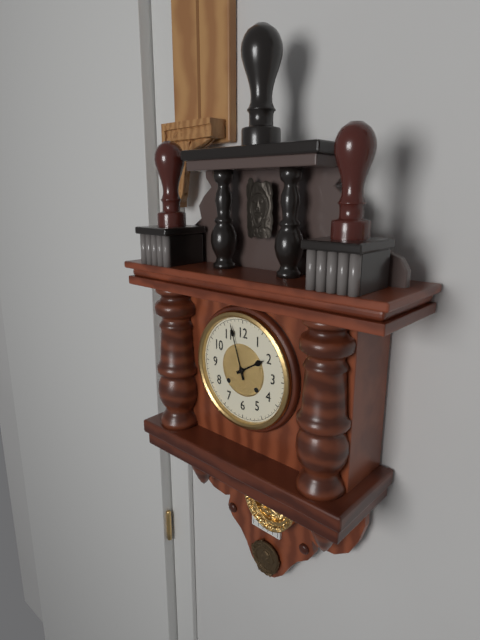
1:57
